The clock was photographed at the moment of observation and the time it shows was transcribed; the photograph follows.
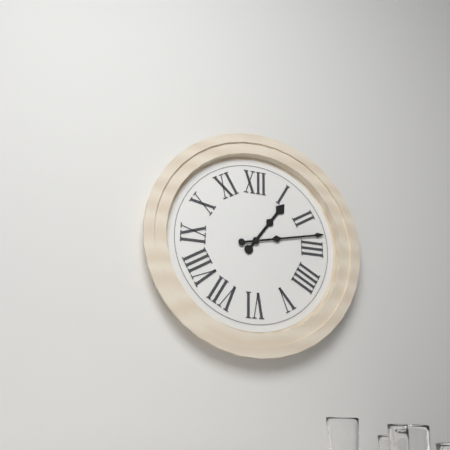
1:13
